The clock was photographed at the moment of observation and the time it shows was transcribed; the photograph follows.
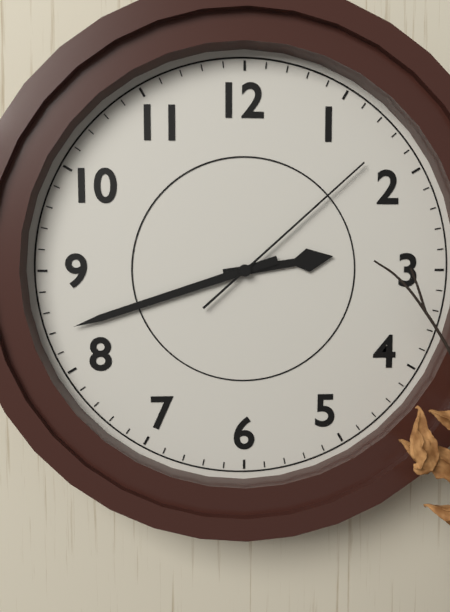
2:42:08
